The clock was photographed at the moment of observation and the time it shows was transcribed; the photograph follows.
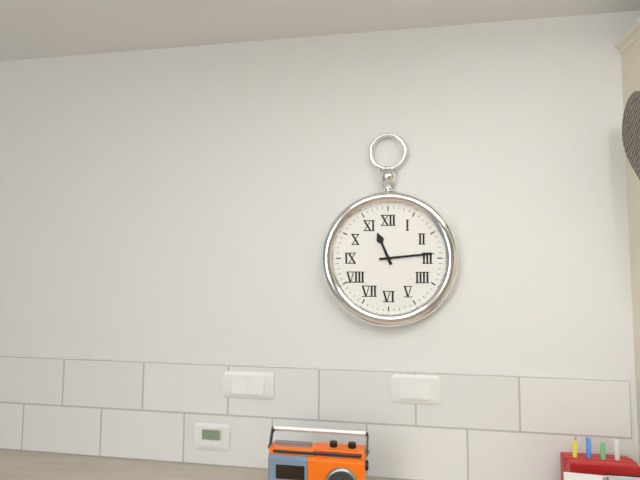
11:14
